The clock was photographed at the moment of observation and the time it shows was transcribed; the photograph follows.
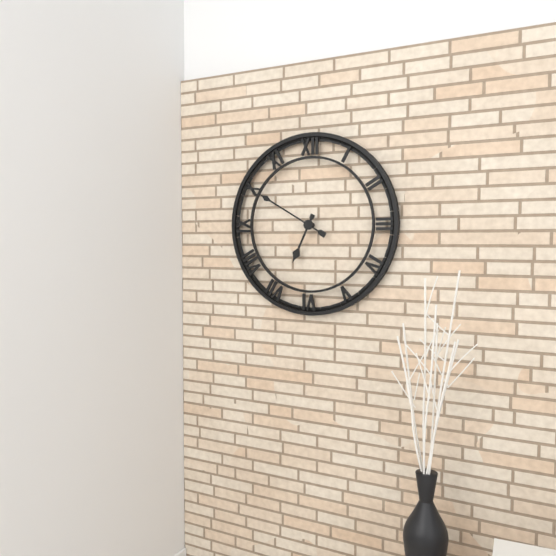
6:50
